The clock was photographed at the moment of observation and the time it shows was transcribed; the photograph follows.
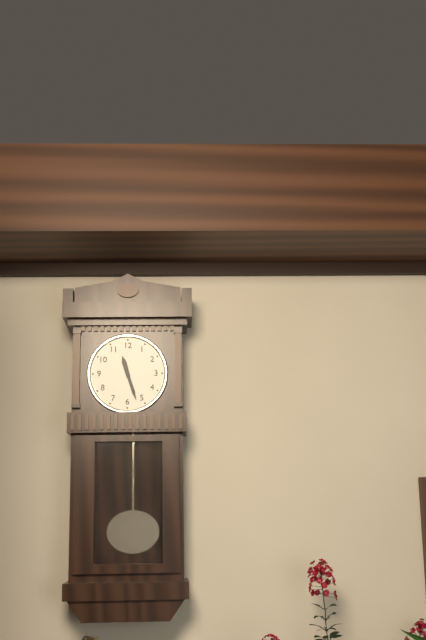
11:27
